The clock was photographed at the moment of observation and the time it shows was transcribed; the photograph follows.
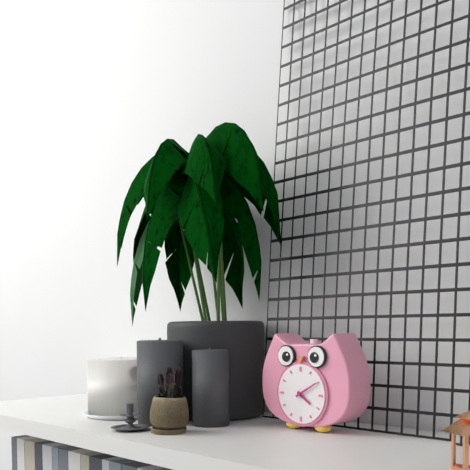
4:10
